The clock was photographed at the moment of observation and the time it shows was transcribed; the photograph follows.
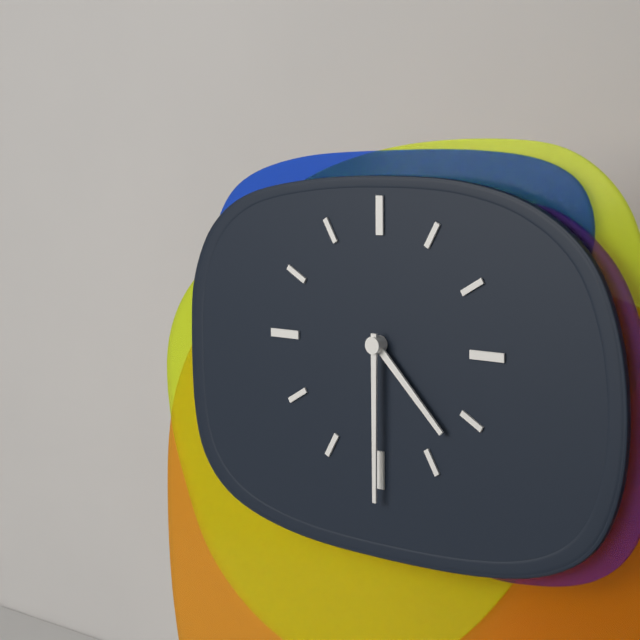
4:30
